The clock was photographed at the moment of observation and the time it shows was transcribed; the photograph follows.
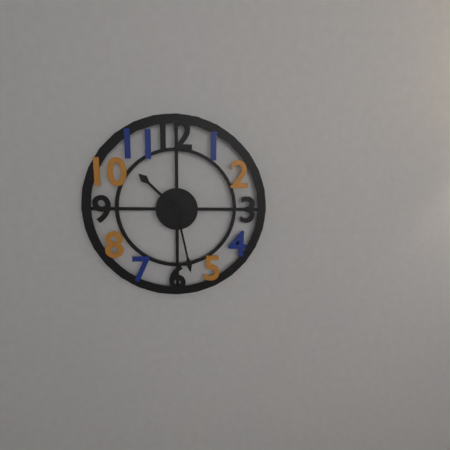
10:28
